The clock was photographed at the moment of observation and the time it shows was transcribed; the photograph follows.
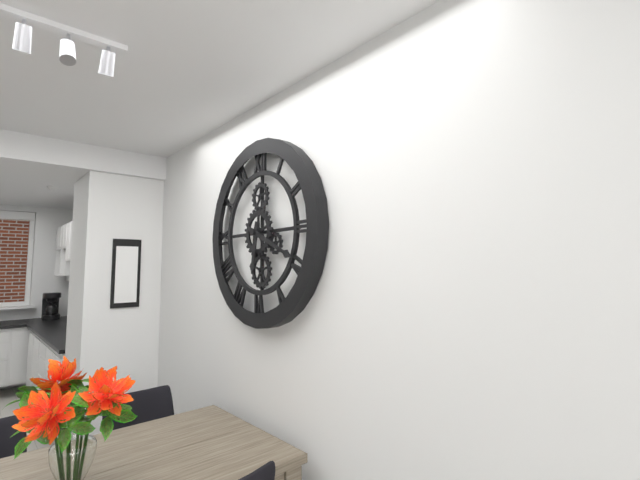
6:19
